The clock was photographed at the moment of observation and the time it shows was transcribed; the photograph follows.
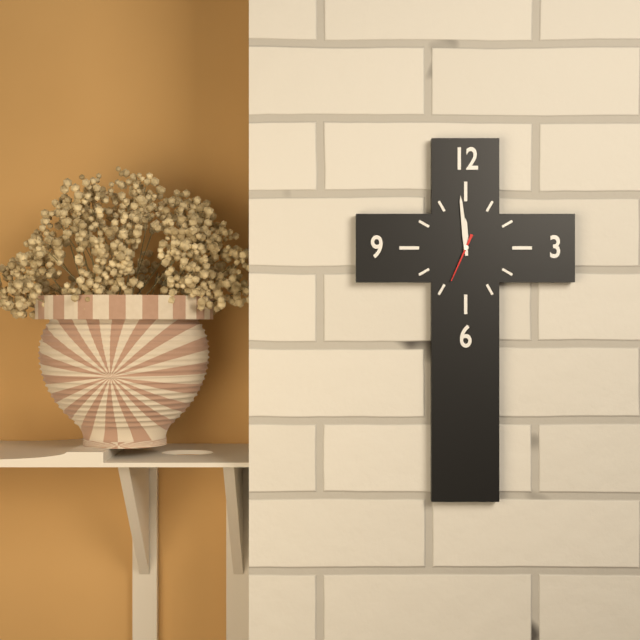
11:59
